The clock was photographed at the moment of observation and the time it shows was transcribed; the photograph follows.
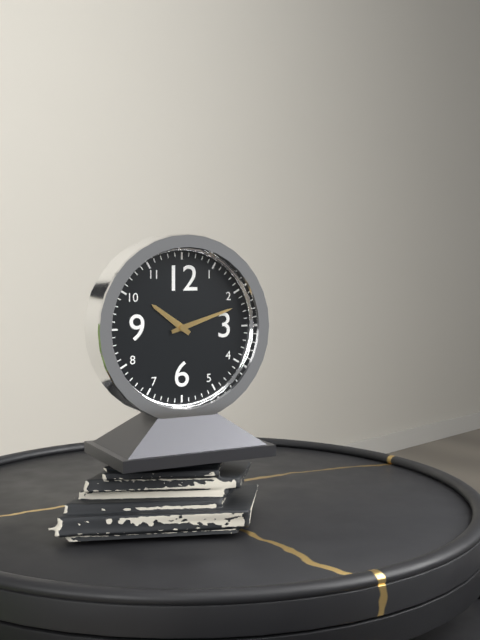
10:12
